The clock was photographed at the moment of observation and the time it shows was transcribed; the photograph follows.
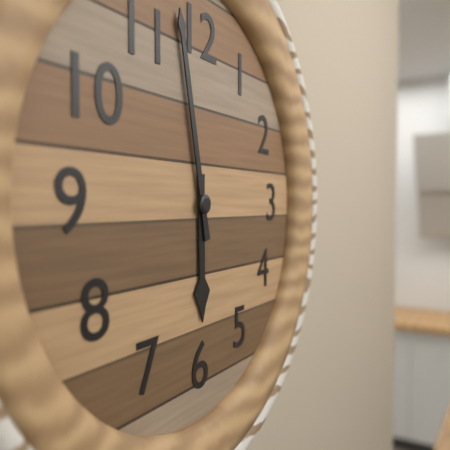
5:58
